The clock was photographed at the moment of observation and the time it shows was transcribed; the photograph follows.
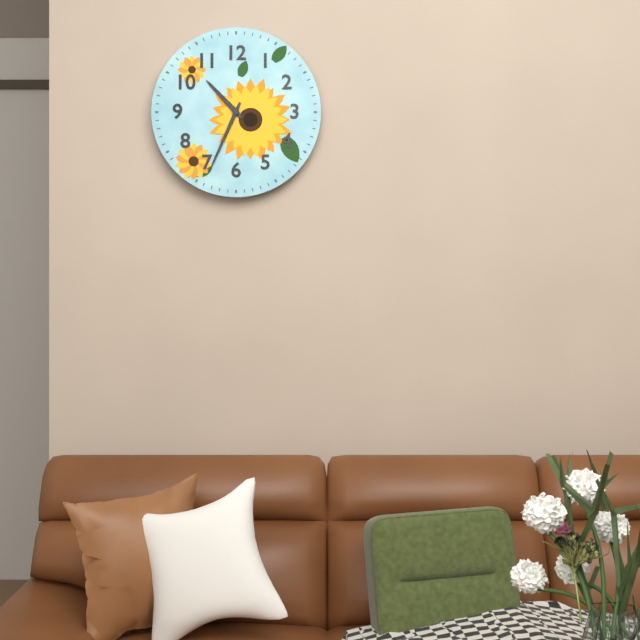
10:34
